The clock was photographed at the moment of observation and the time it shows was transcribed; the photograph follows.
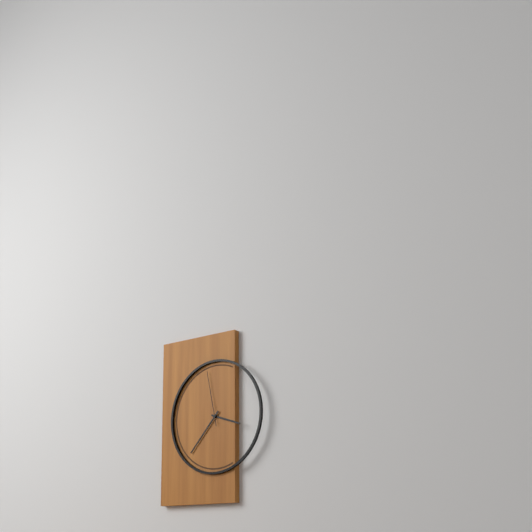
3:37:58
